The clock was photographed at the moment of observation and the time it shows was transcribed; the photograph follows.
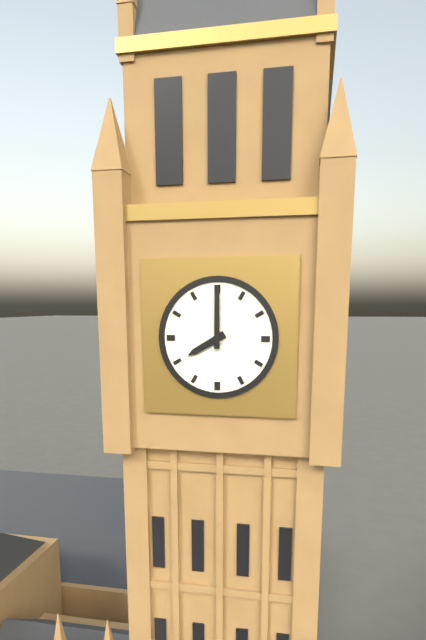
8:00
